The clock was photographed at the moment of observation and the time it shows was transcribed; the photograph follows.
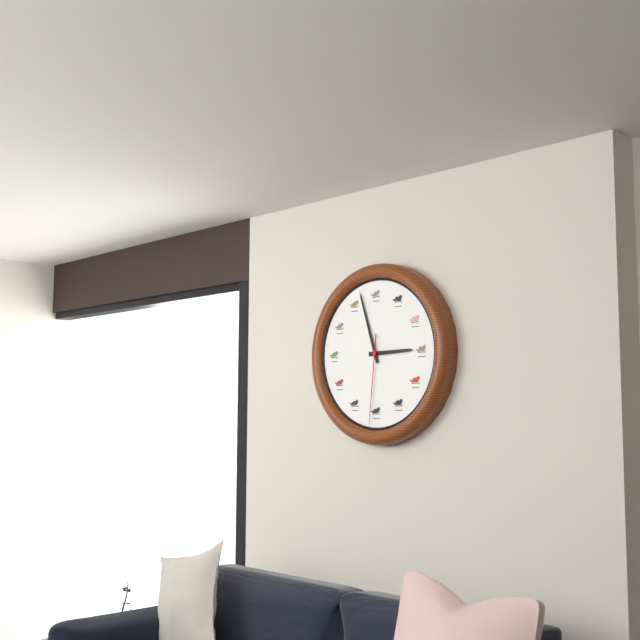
2:57:31
